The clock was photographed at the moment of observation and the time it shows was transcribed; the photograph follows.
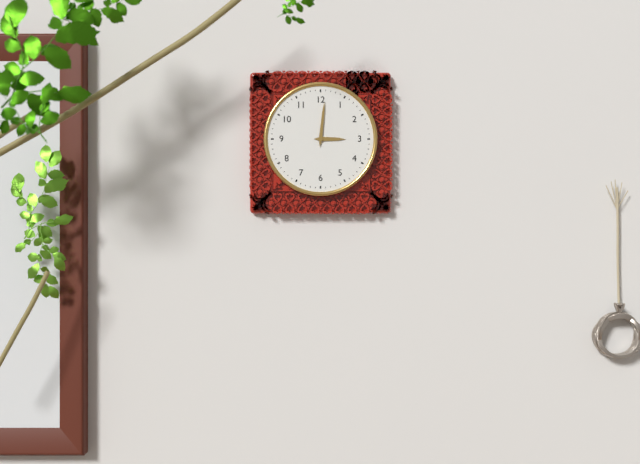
3:01
